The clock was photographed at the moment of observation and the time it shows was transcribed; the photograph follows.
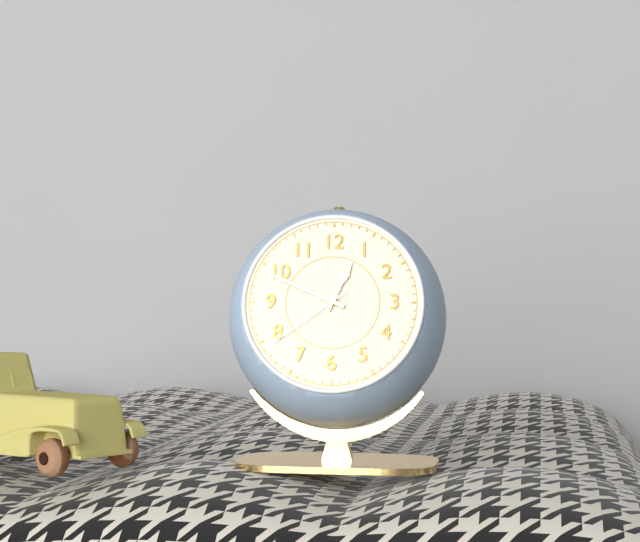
12:49:39
